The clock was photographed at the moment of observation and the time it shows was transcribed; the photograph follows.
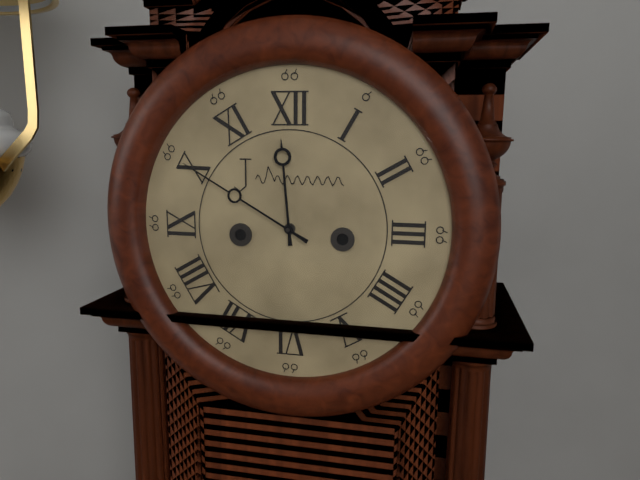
11:50
